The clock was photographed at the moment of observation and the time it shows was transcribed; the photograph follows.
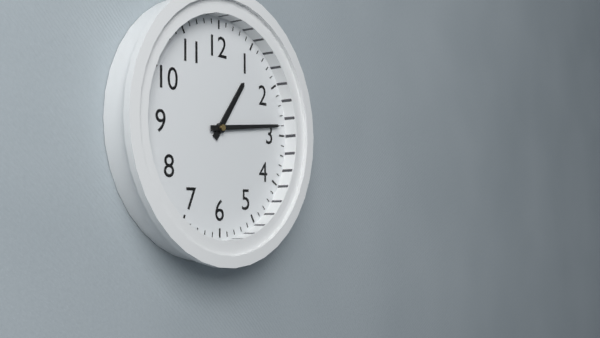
1:14
